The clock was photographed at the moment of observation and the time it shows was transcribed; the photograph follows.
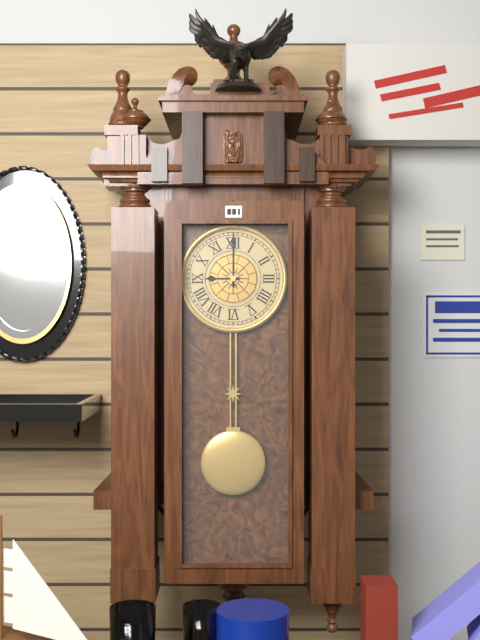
9:00
